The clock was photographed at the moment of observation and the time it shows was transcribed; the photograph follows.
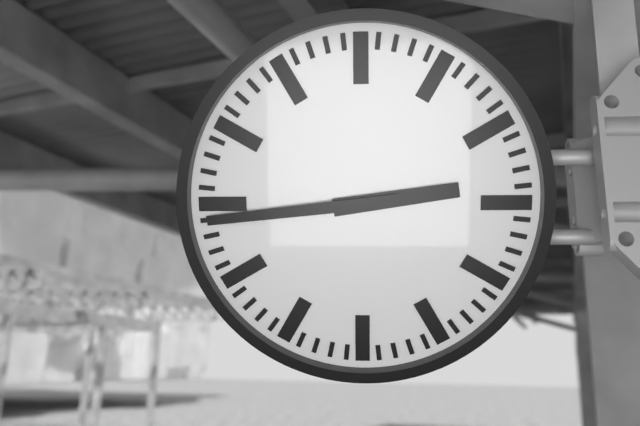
2:44
